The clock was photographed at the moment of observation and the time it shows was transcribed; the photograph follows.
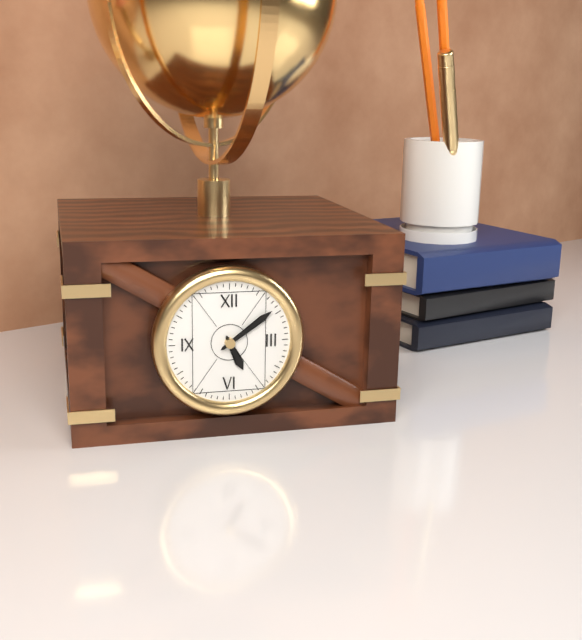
5:09
